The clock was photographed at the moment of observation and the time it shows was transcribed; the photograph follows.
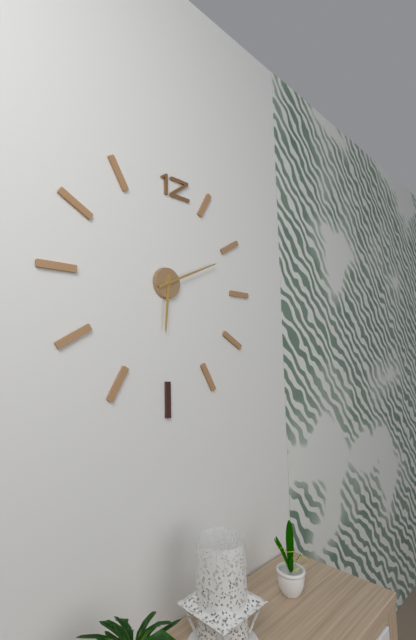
6:11
